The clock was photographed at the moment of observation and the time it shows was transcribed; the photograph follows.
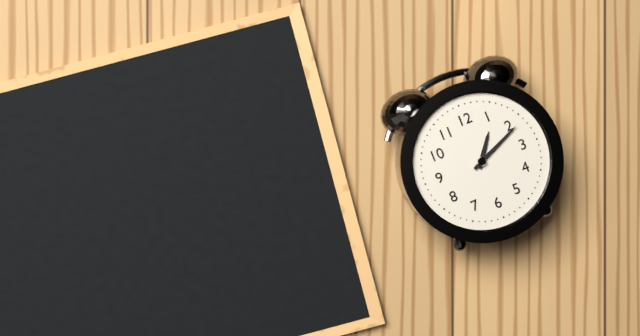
1:11
